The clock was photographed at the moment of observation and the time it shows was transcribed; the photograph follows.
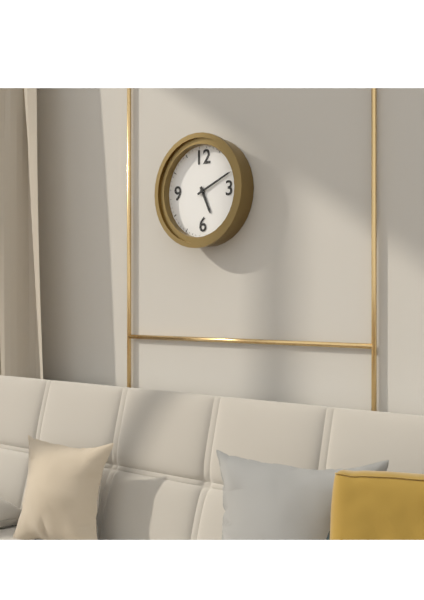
5:11
